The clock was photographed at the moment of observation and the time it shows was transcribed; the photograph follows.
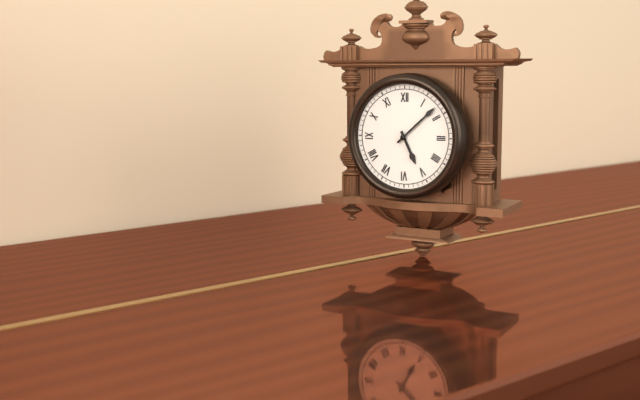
5:08
